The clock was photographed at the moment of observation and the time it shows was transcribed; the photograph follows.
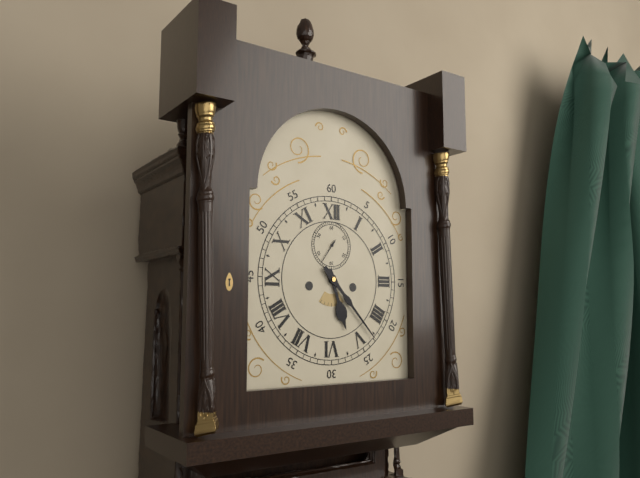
5:23
